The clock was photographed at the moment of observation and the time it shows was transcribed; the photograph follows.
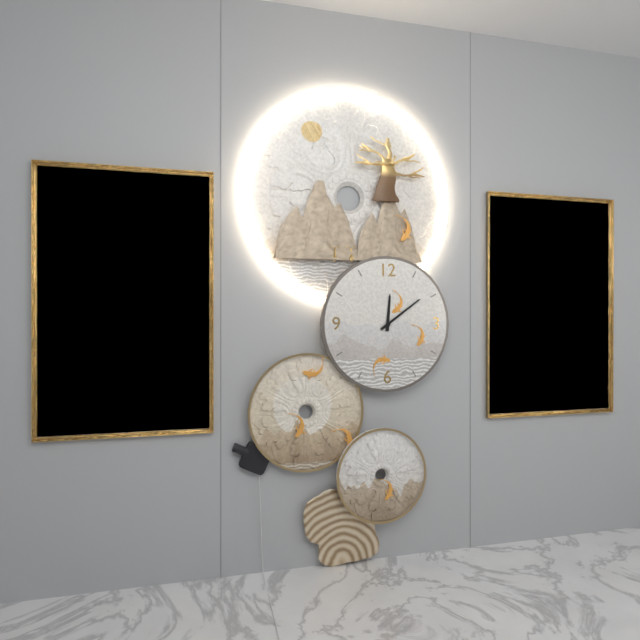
12:09
